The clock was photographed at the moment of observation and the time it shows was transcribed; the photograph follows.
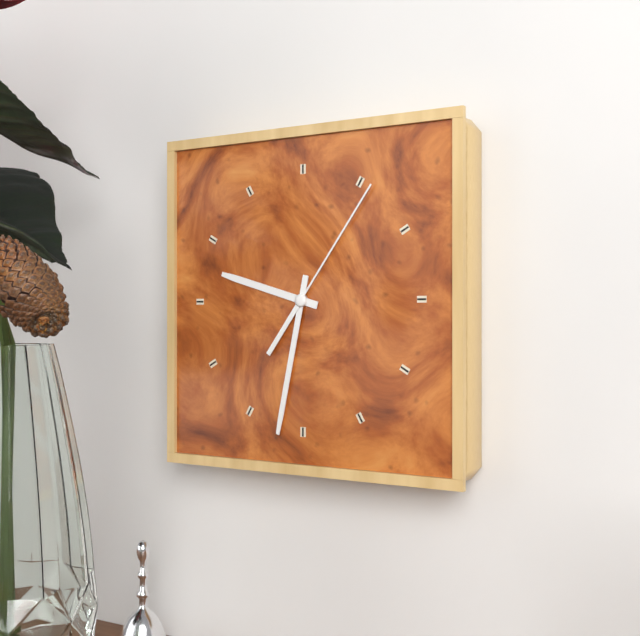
9:32:06
